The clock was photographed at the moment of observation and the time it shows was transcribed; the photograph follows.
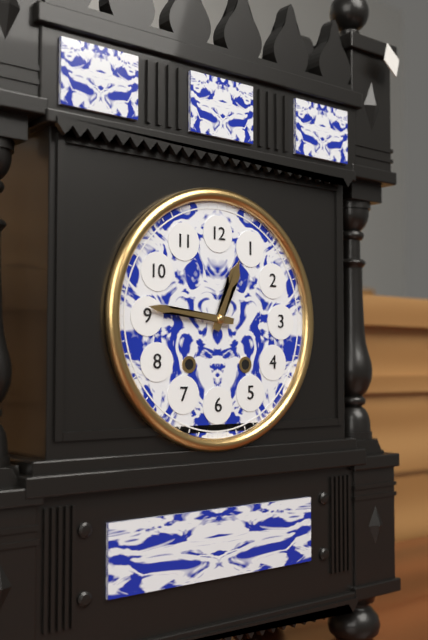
12:46
